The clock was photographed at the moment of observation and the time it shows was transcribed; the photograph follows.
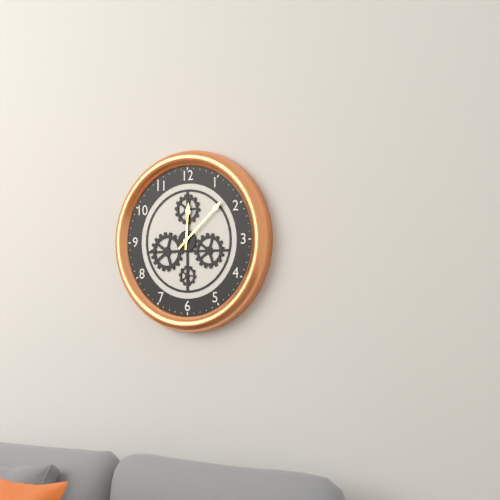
12:08
